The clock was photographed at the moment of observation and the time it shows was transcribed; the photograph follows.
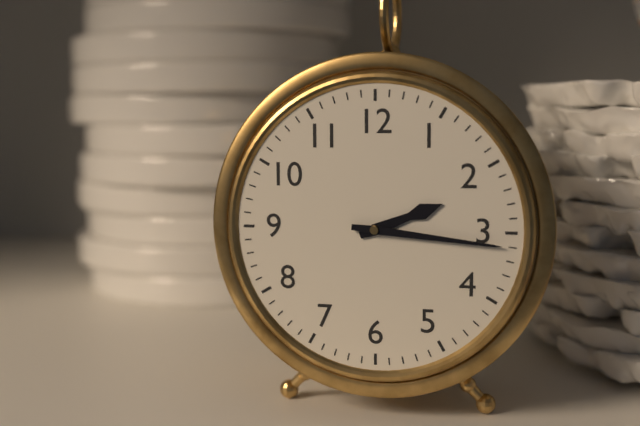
2:16
